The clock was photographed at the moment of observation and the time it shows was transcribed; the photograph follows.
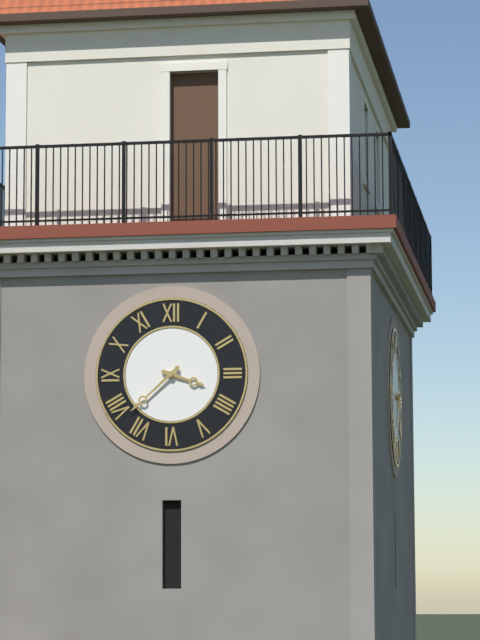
3:38
